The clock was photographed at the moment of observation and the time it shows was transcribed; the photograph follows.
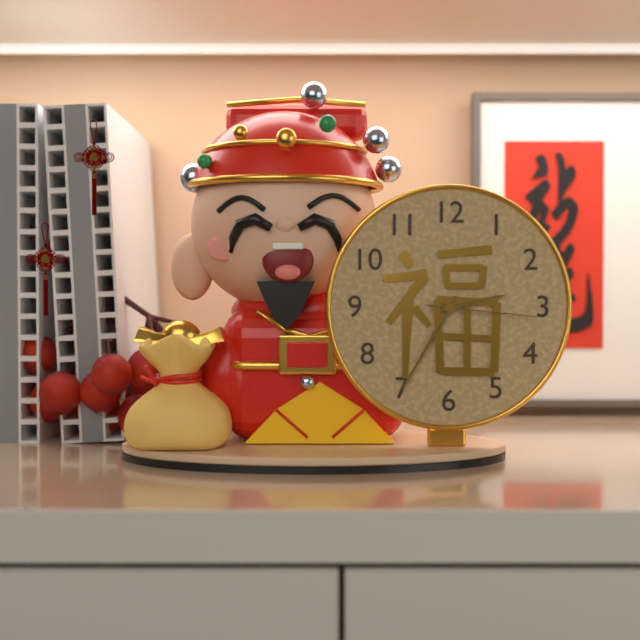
2:35:16
